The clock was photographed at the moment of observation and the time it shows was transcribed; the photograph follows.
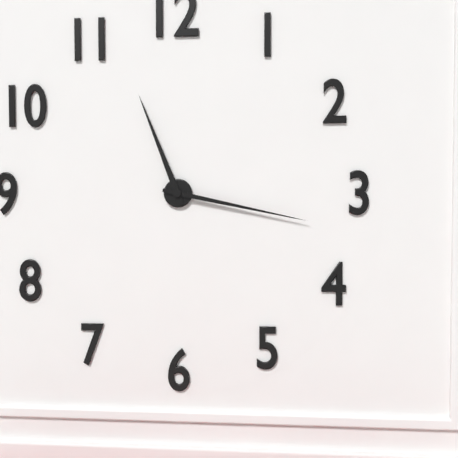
11:17
